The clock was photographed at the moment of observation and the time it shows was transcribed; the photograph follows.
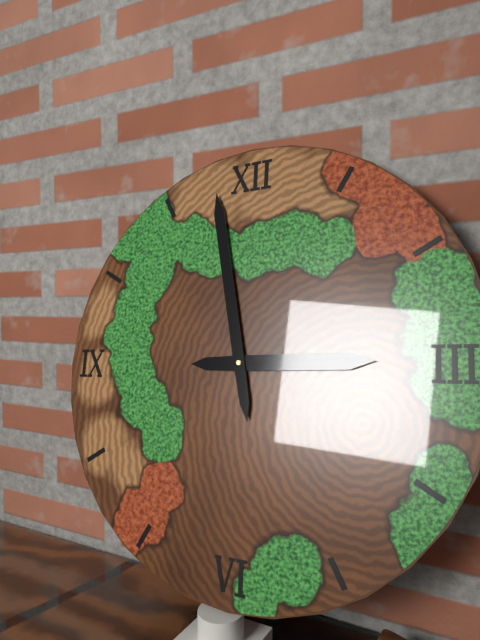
2:58
